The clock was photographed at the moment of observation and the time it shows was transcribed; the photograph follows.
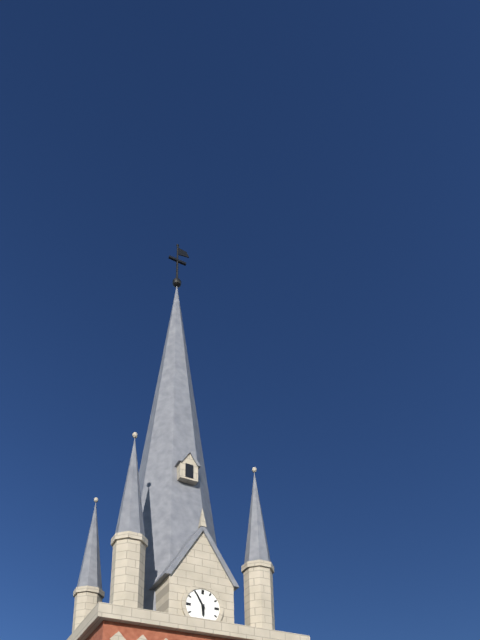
5:55
